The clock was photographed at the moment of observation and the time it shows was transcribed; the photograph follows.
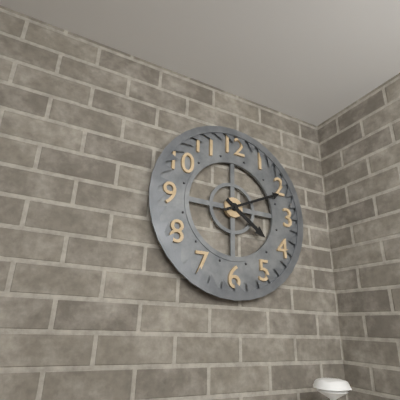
4:11
